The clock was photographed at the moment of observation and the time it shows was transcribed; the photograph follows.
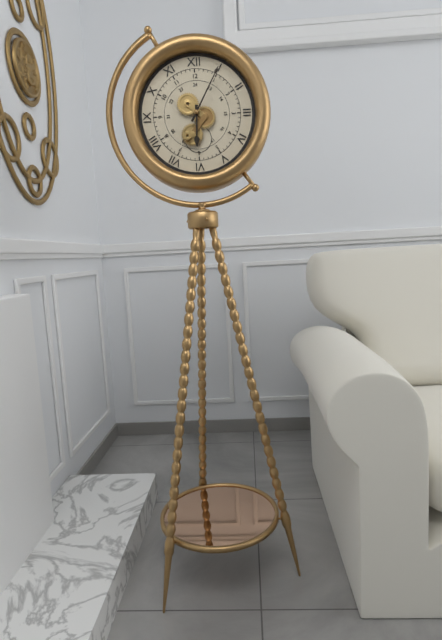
6:05
